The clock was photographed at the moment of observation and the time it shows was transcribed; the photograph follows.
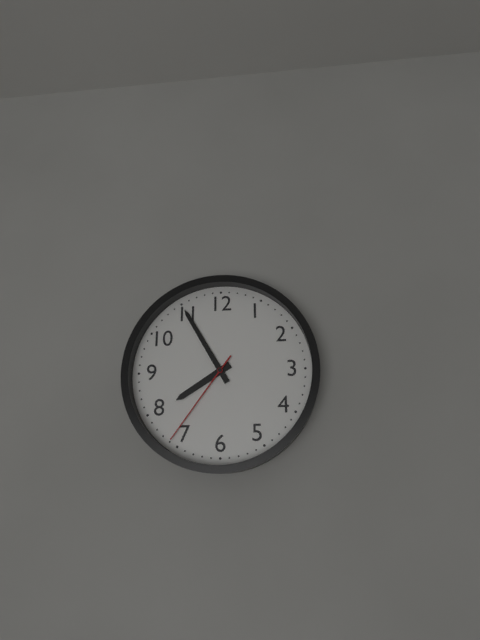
7:55:36
